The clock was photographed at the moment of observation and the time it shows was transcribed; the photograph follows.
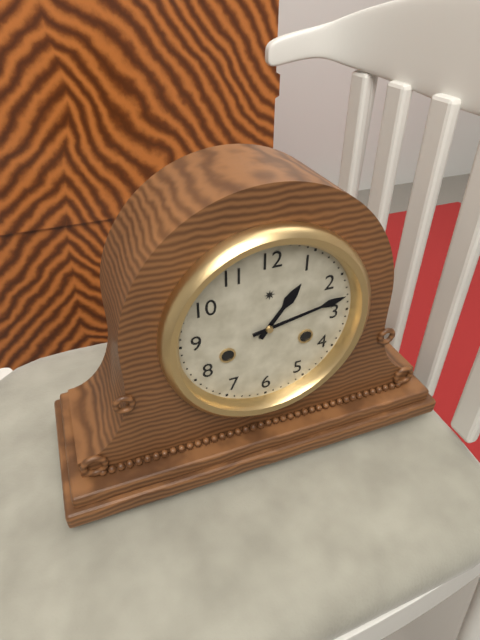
1:13
